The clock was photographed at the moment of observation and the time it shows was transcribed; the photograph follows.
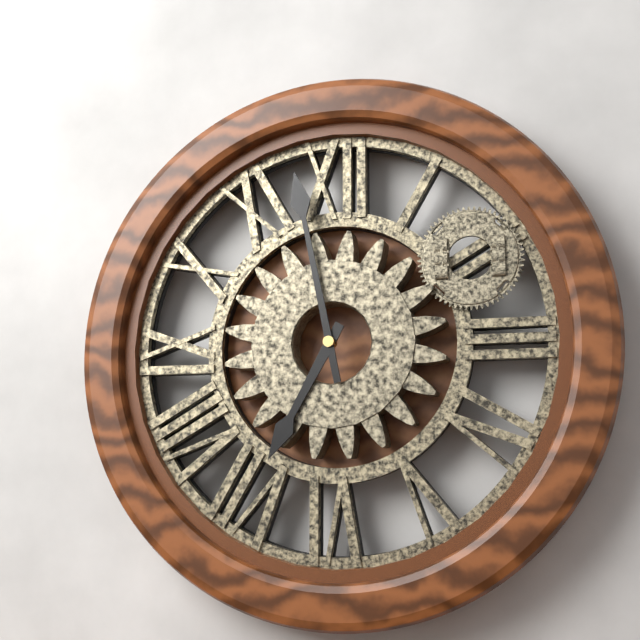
6:58
